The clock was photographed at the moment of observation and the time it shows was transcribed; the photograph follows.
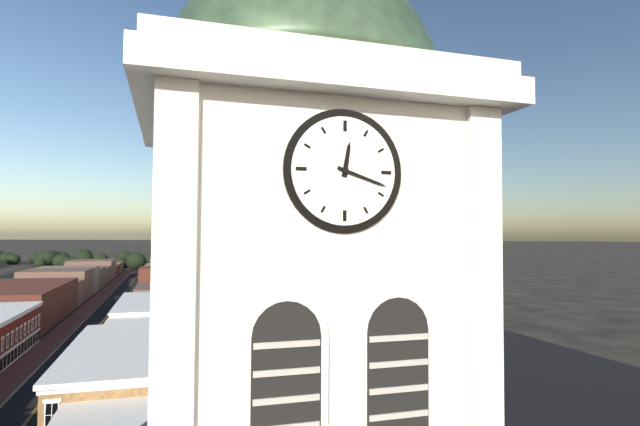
12:18
